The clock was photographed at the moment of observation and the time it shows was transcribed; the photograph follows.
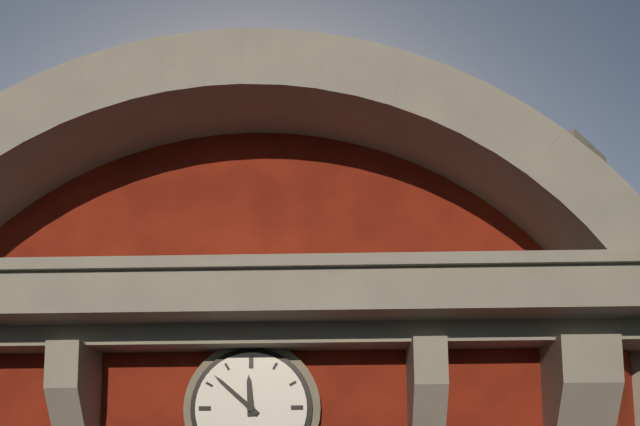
11:52
